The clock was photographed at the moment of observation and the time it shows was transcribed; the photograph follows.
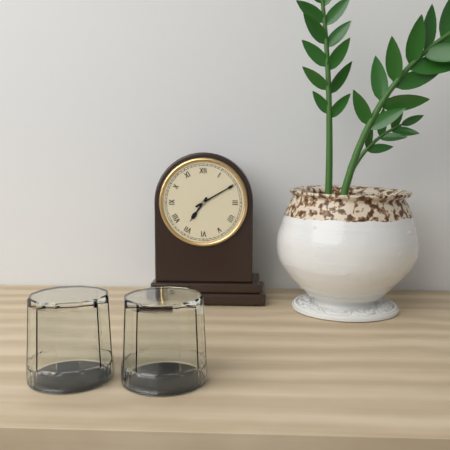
7:10
